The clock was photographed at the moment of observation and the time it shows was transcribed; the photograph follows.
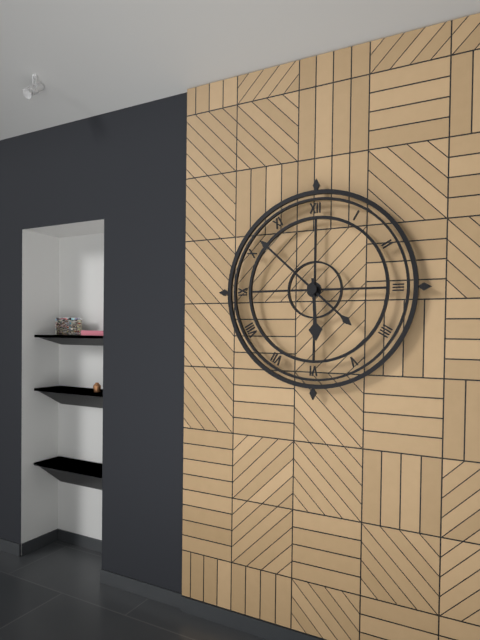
5:52
